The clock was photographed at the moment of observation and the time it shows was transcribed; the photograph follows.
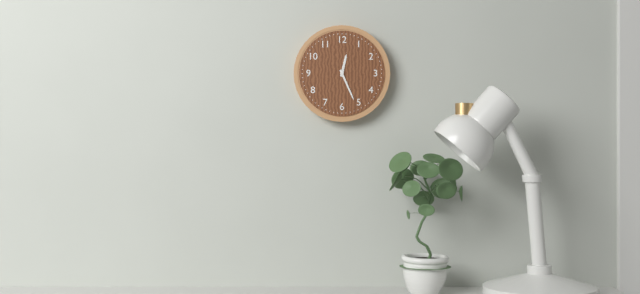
12:26
